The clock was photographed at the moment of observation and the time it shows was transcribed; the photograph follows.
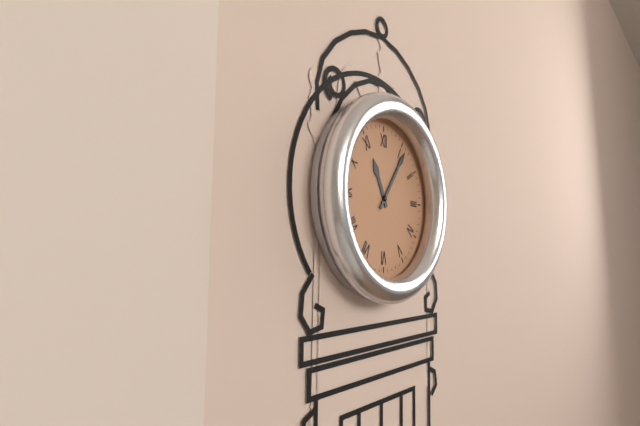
11:06
